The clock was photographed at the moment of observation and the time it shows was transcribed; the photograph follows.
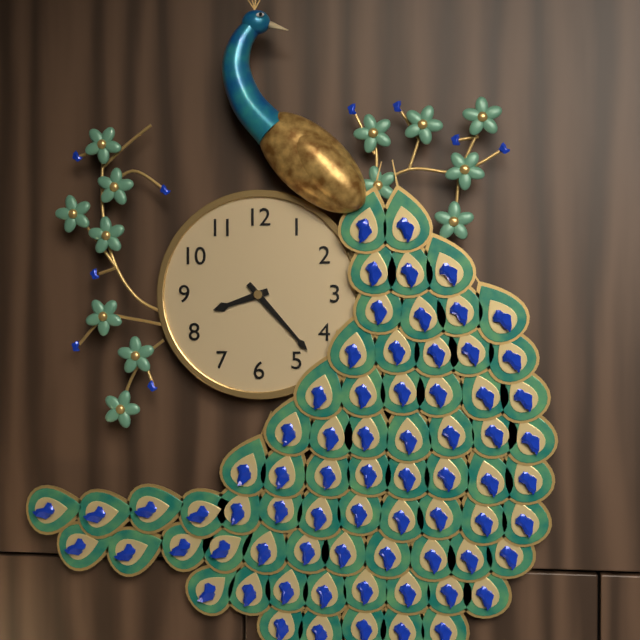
8:23
